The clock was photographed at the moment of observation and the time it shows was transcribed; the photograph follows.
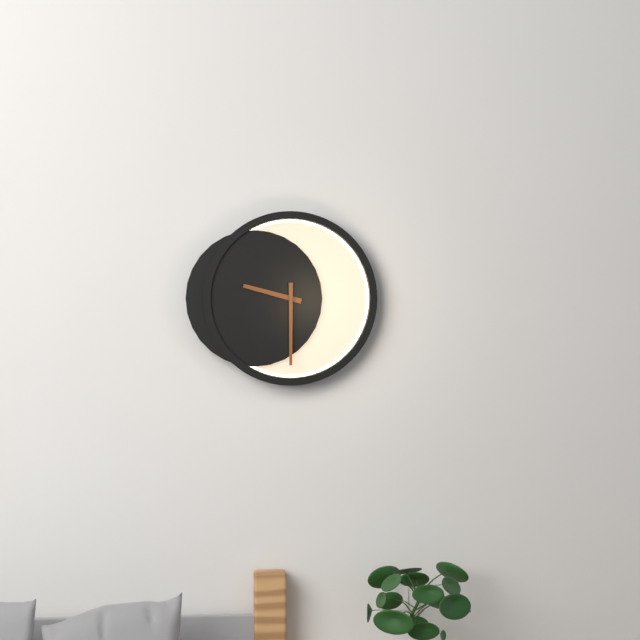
9:30
